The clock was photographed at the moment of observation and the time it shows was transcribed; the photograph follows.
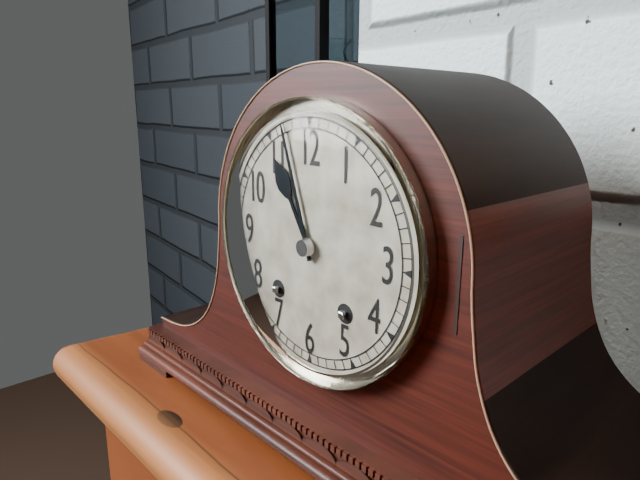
10:57
